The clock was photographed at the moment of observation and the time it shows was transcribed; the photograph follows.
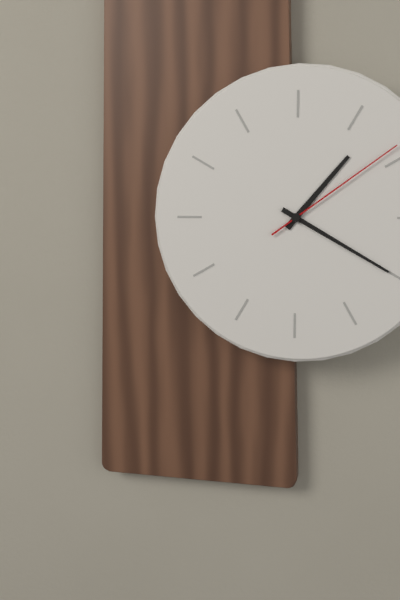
1:20:09
